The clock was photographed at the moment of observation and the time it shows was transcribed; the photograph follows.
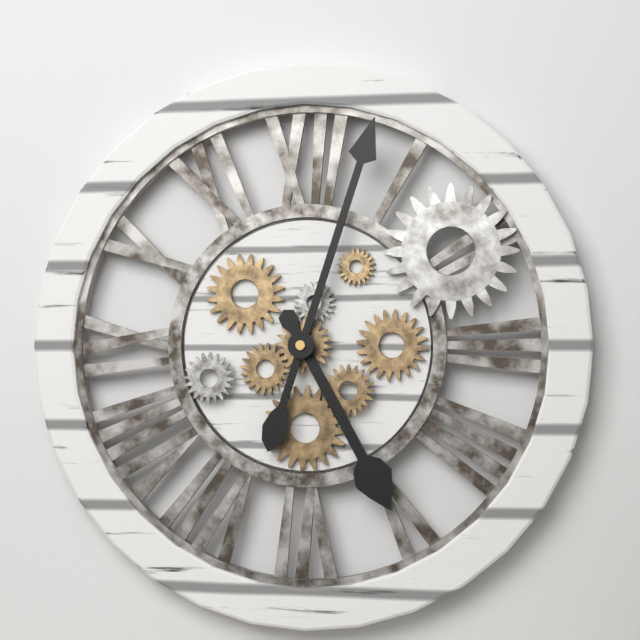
5:03
